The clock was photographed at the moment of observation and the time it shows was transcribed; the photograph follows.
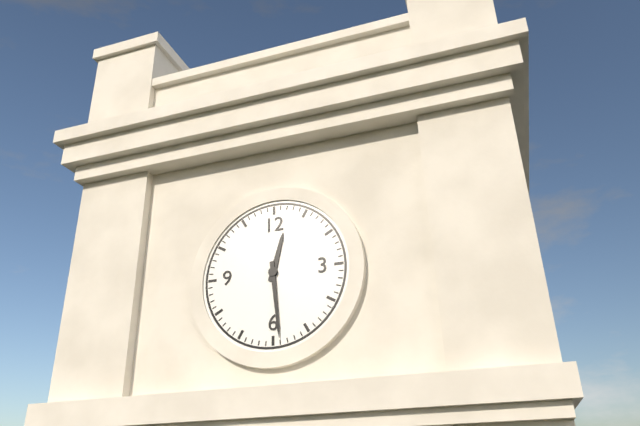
12:29
